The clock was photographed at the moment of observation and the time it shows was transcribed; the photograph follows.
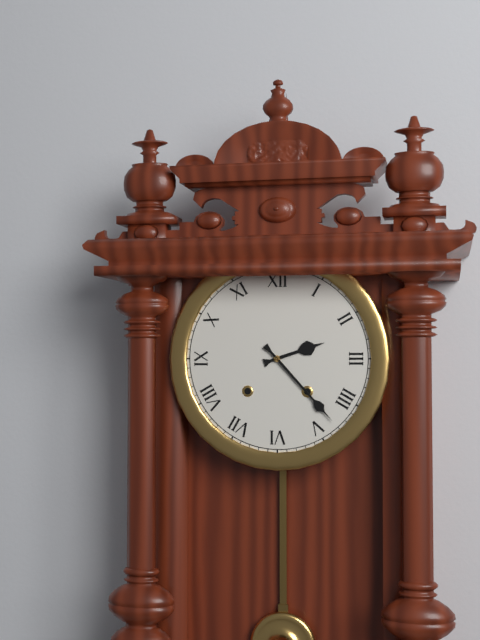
2:23
